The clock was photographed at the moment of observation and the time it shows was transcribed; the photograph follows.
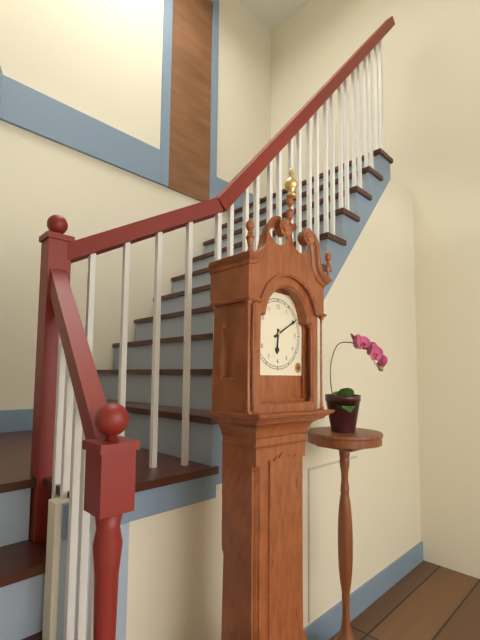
6:10
